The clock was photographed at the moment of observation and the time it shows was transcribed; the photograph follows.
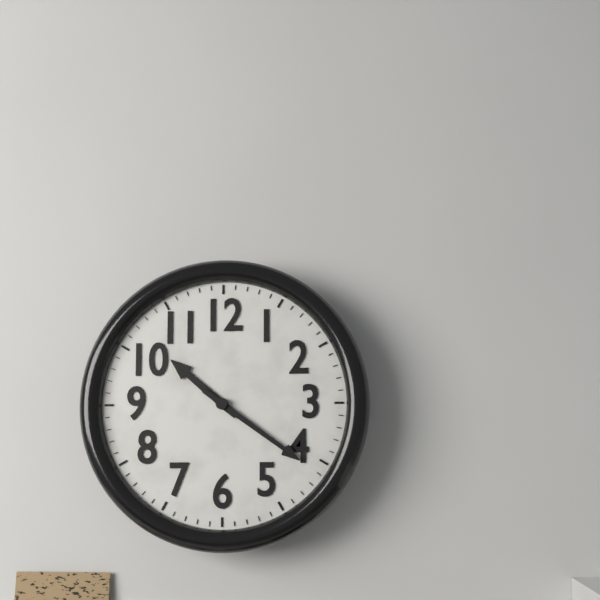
10:21
